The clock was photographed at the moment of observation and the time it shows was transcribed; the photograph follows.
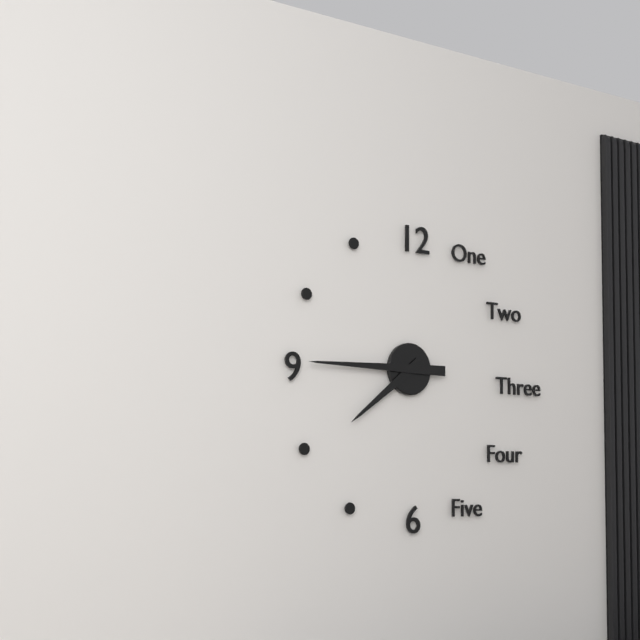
7:45
